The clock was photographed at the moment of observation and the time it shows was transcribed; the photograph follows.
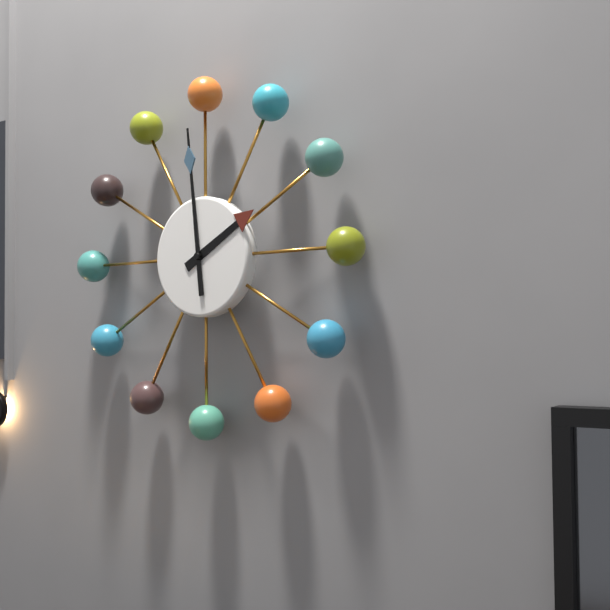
1:59
